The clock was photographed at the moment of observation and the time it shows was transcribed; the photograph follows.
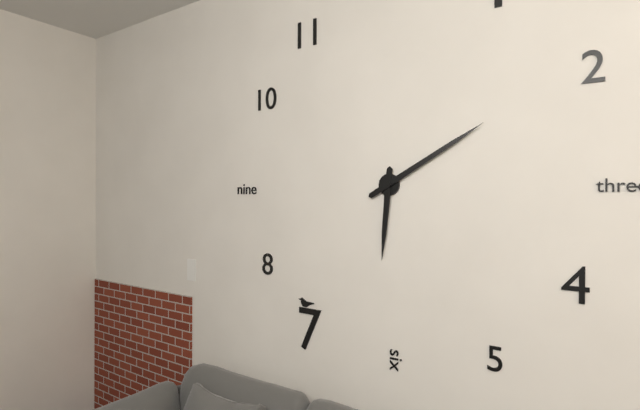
6:10
